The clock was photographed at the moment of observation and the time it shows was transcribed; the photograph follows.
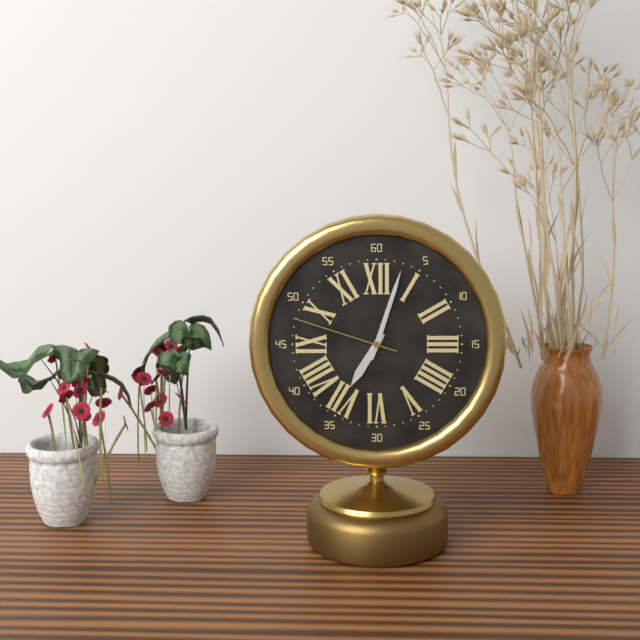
7:03:48
